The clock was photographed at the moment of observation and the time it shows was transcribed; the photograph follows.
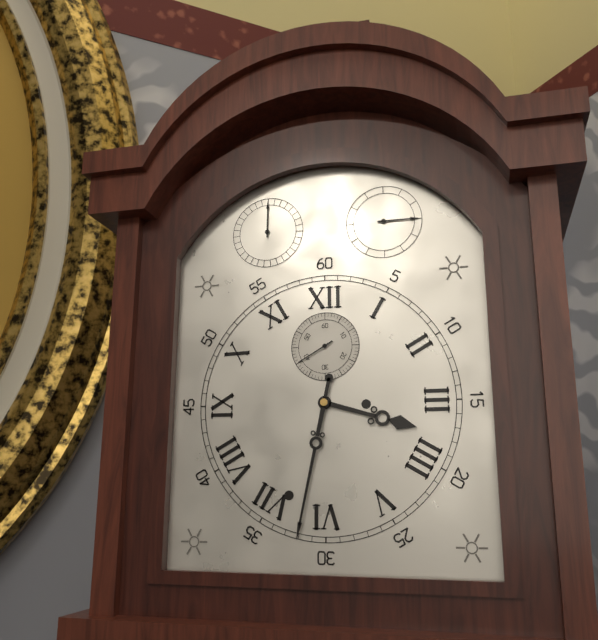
3:32
